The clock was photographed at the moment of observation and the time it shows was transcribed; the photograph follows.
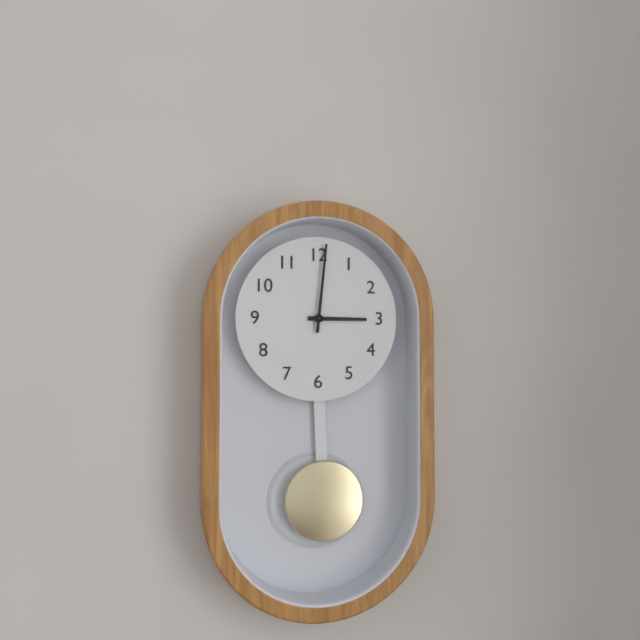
3:01
